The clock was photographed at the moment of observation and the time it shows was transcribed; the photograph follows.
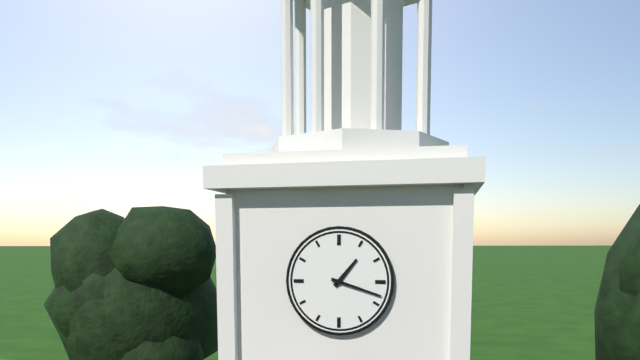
1:18
